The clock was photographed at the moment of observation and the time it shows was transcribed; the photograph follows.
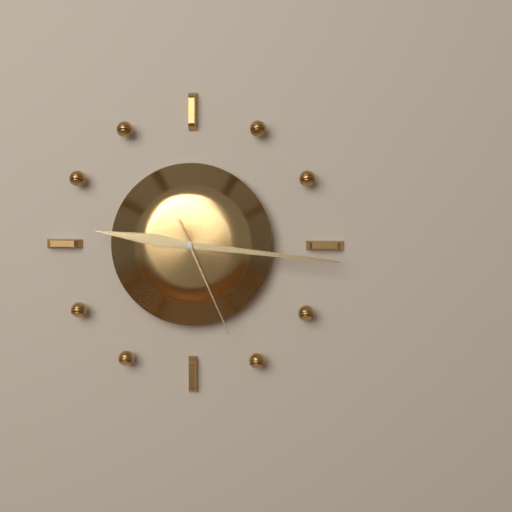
9:16:26
